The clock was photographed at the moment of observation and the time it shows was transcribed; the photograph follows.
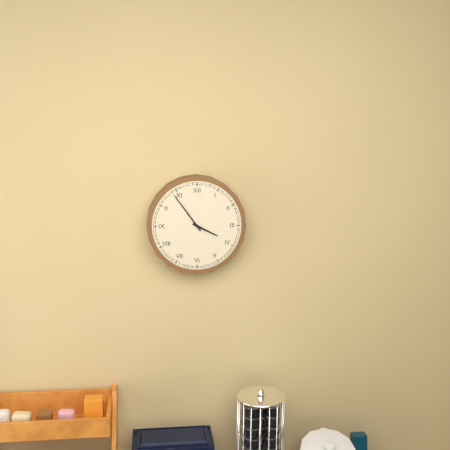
3:54
